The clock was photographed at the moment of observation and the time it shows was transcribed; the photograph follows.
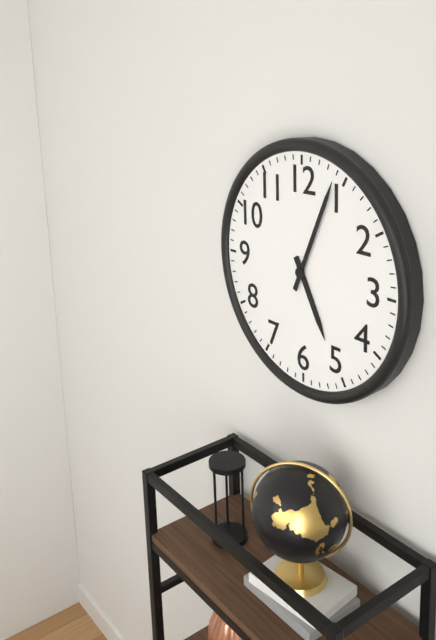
5:04
